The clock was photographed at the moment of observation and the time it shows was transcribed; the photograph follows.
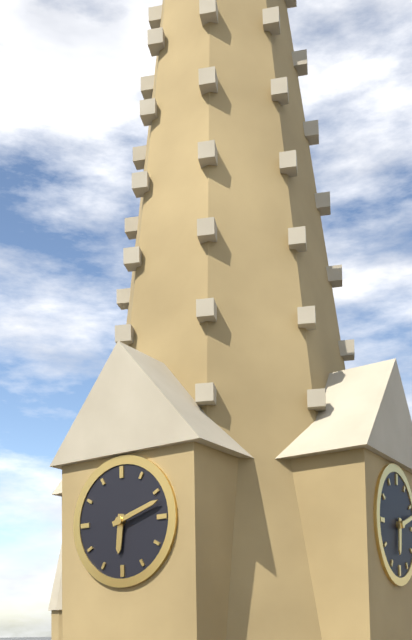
6:12
